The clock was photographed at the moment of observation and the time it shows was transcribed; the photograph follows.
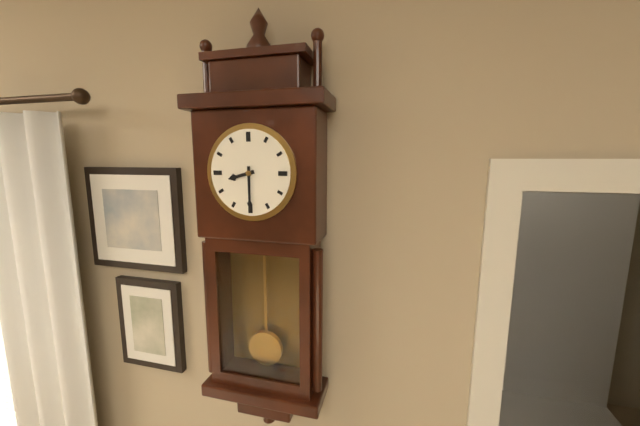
8:30
